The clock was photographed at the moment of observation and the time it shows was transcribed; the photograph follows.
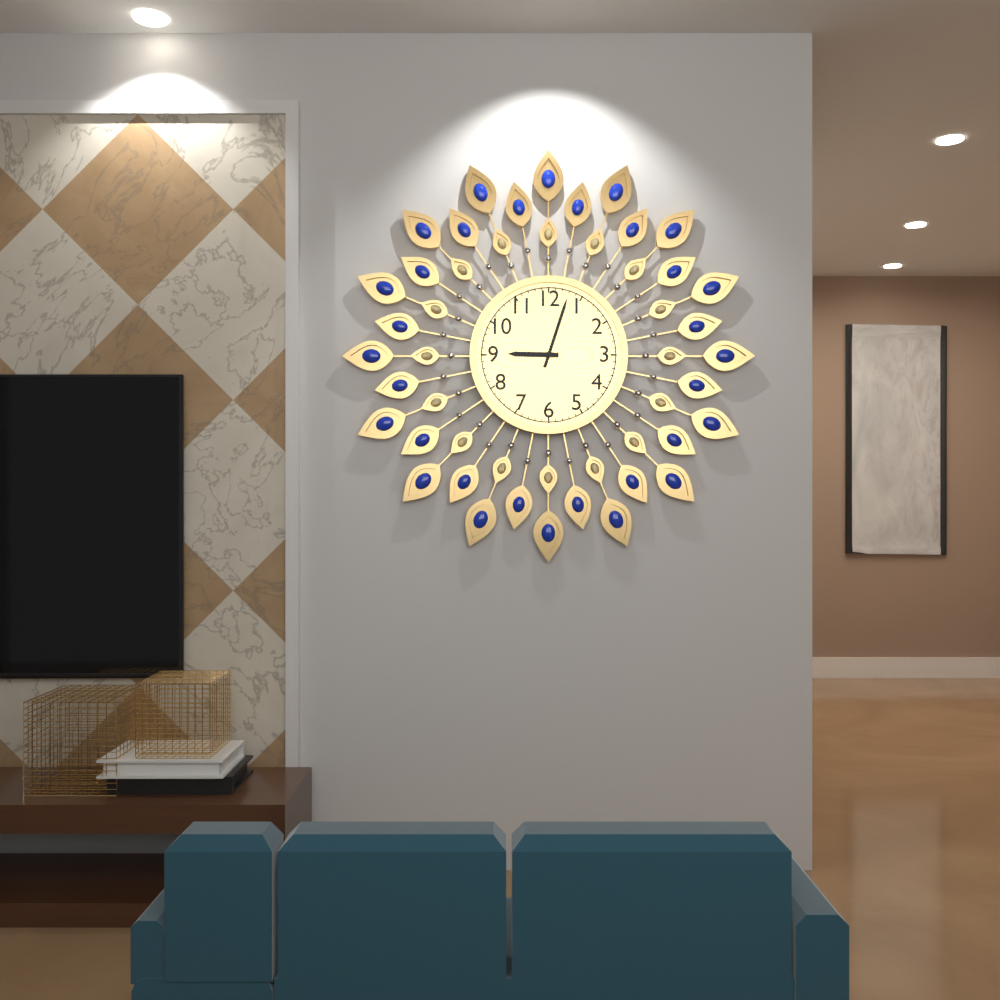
9:03
